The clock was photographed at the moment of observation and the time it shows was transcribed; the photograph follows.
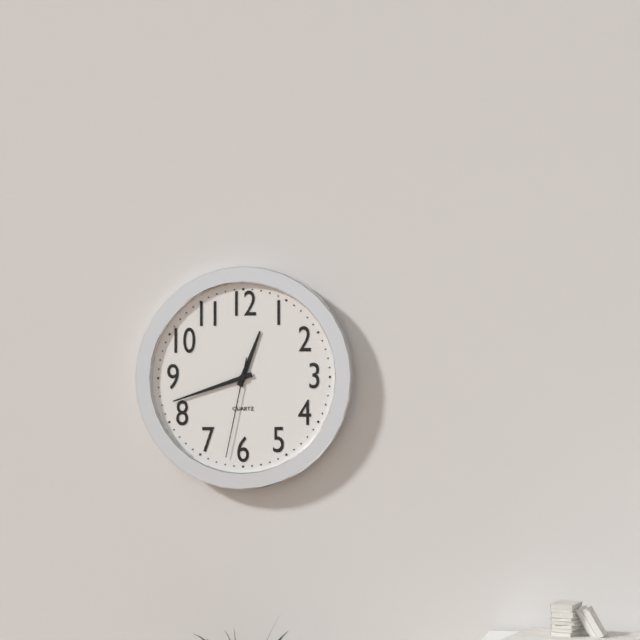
12:42:32
